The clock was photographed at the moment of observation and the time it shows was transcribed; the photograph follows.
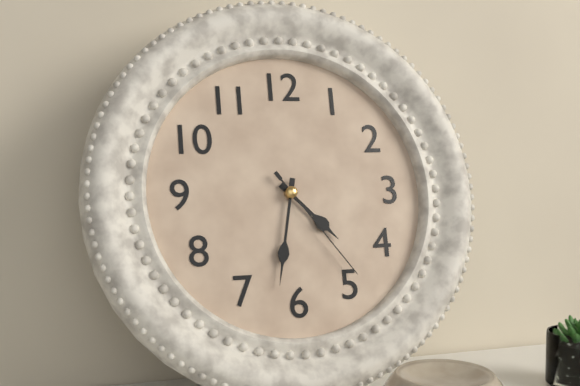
4:32:24
